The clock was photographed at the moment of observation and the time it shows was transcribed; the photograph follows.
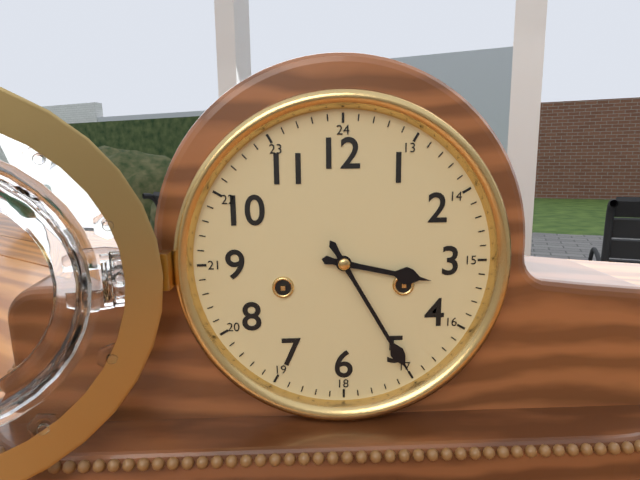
3:25
